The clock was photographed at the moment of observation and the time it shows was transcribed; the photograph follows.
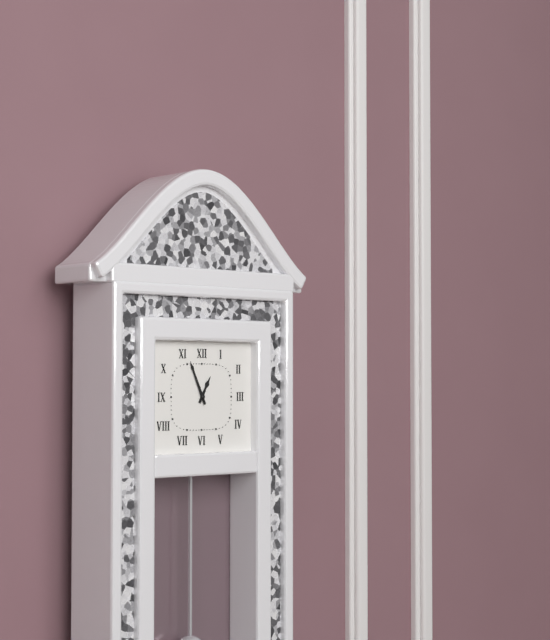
12:56
